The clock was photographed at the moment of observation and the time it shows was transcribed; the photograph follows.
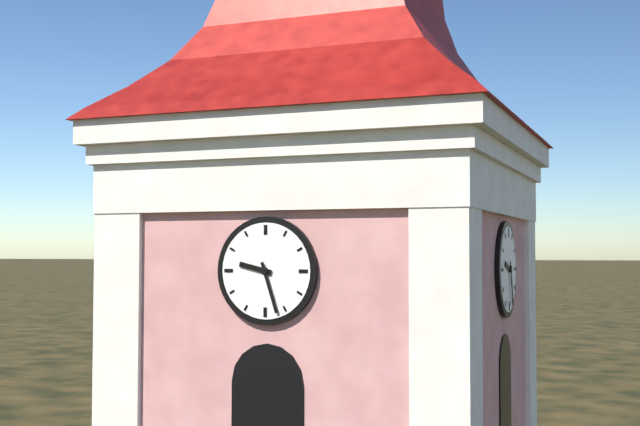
9:27
